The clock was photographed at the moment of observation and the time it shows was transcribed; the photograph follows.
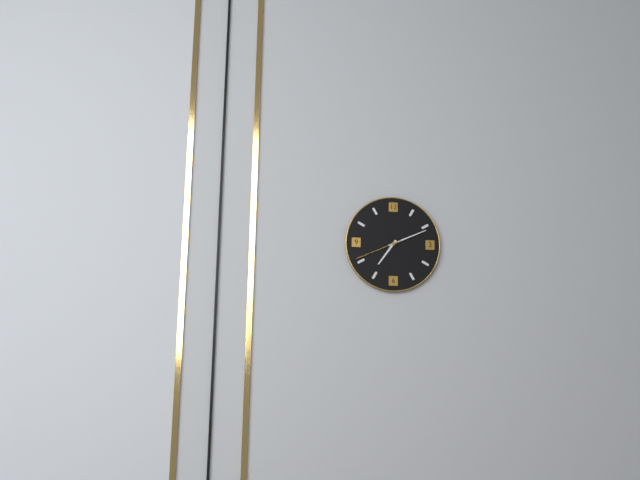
7:11:41
